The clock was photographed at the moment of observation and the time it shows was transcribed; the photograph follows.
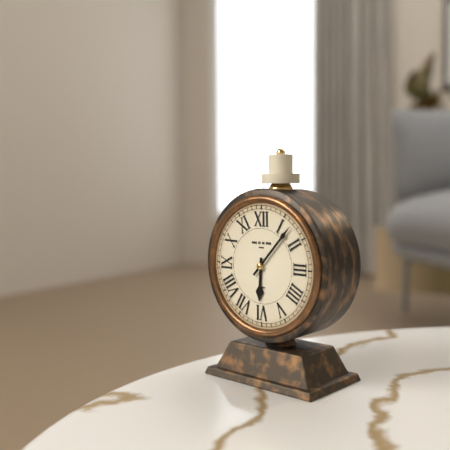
6:07
